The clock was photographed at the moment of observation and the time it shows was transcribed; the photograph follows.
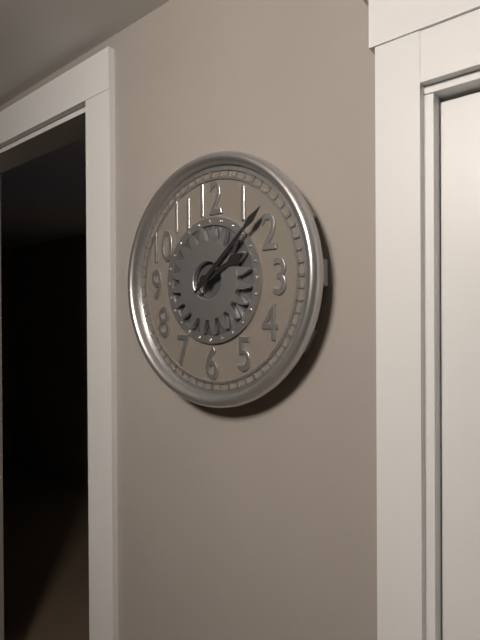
2:08
